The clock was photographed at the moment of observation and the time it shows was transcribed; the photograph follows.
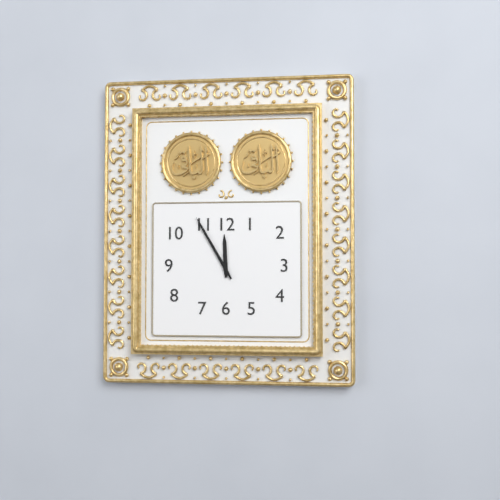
11:55
